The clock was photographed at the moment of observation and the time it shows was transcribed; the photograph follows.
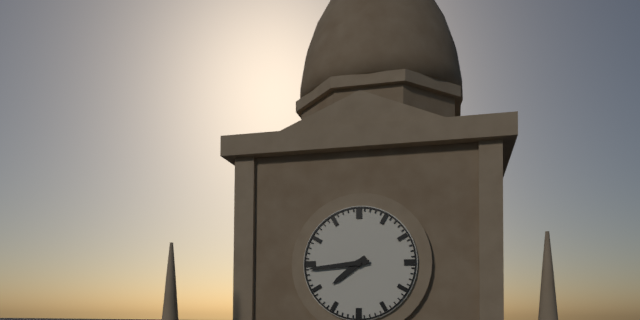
7:44
